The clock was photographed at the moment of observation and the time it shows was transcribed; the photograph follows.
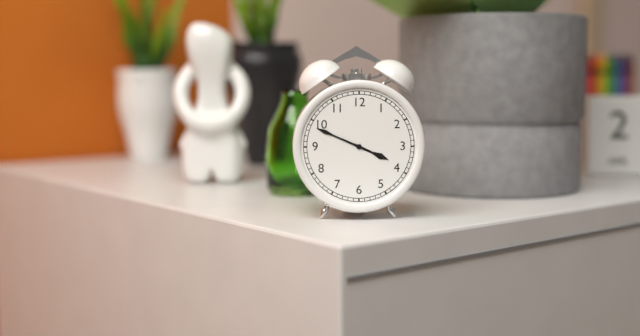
3:49
